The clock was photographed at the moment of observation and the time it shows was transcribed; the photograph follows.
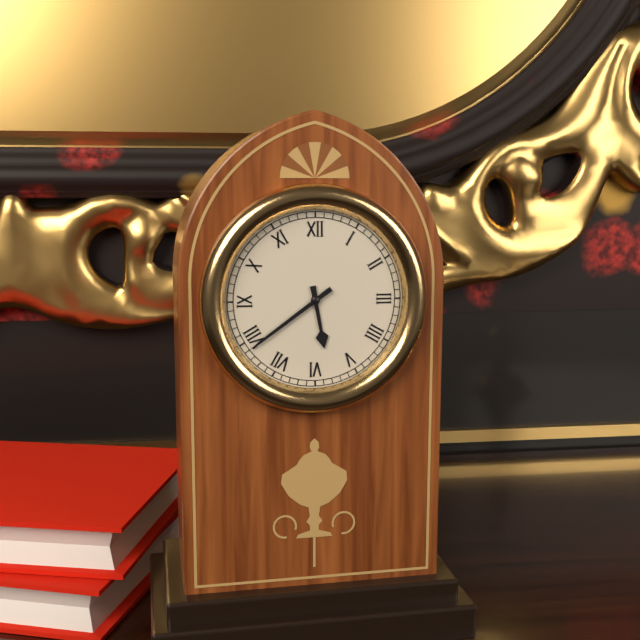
5:39
